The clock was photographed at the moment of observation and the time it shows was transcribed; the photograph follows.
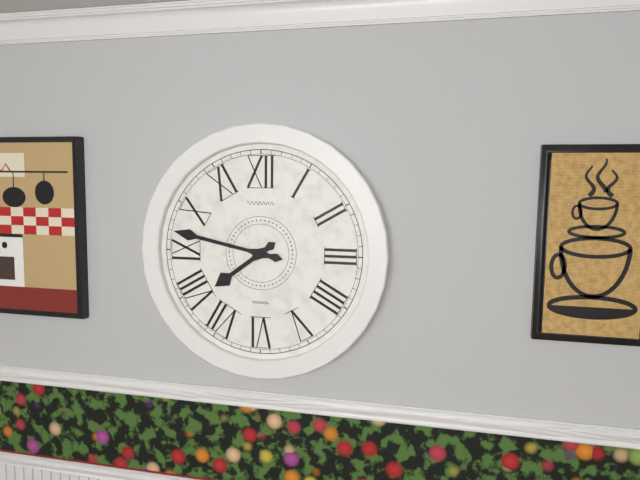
7:47
